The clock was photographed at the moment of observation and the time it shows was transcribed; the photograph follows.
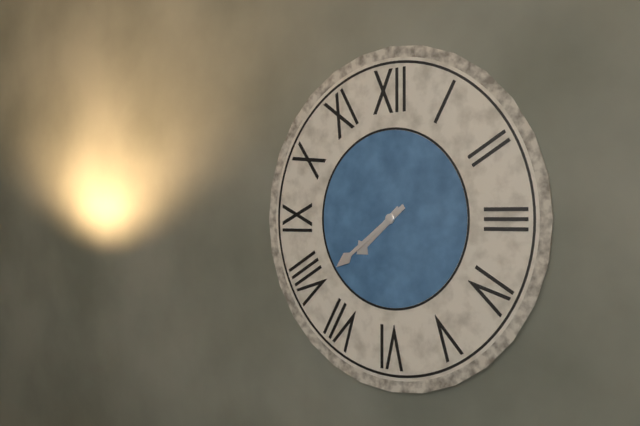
7:39
